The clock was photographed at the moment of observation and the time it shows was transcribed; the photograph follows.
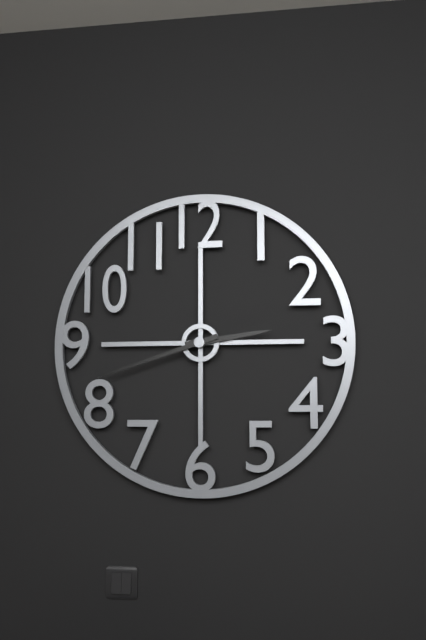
2:42
